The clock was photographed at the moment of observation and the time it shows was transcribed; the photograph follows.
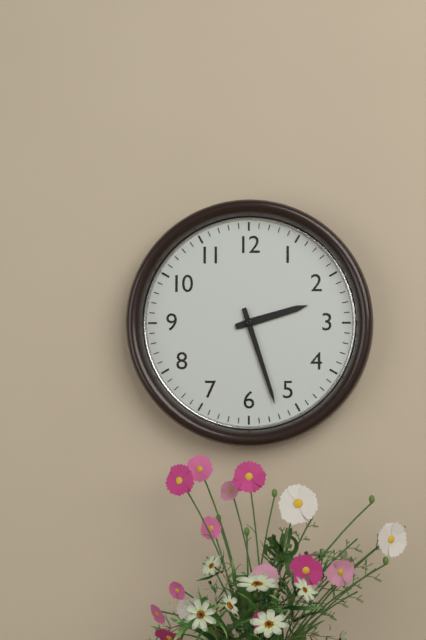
2:27
